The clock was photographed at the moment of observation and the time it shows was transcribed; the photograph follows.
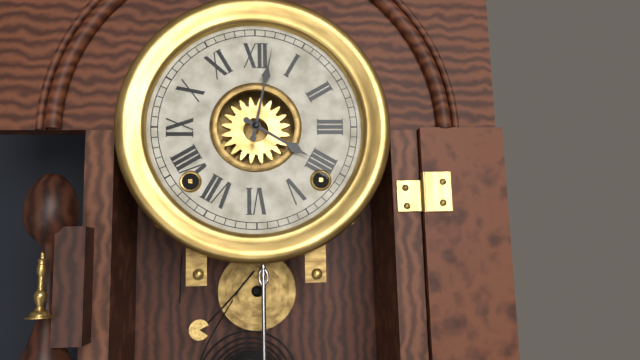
4:02
